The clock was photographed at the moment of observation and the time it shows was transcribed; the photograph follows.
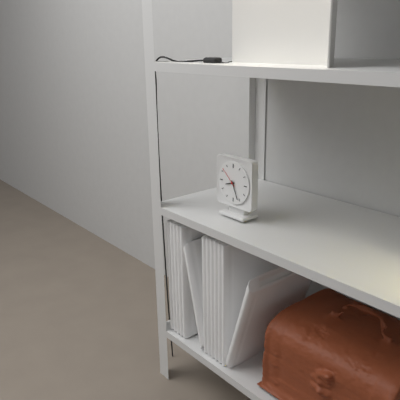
8:26
